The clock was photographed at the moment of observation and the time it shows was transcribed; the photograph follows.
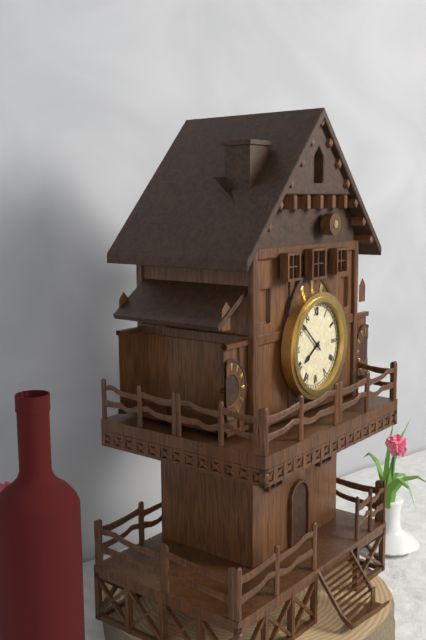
7:52
